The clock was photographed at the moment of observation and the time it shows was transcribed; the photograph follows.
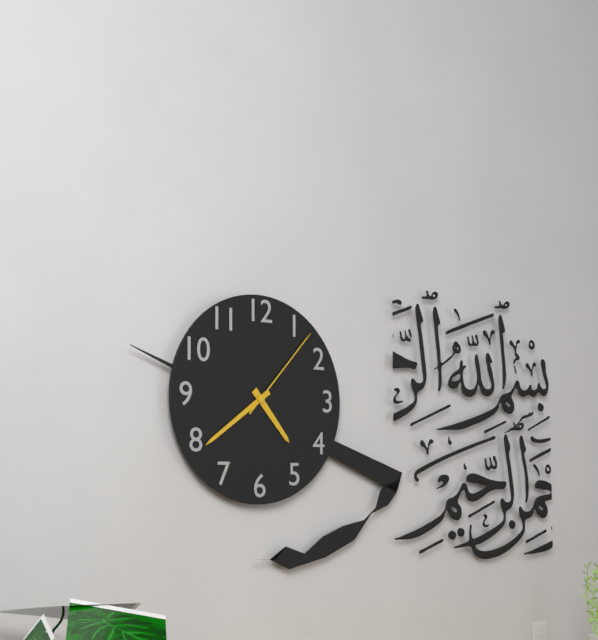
4:39:07
